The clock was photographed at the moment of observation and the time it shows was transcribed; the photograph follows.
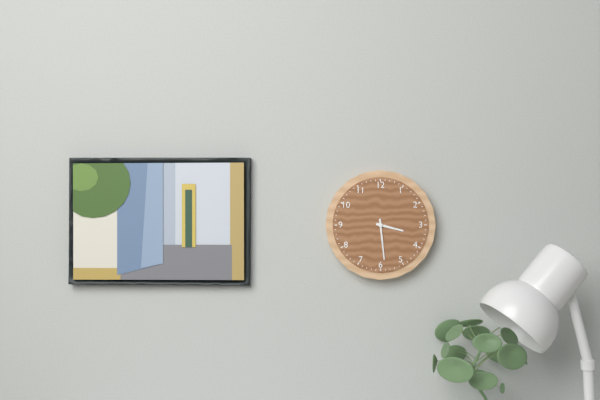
3:29
